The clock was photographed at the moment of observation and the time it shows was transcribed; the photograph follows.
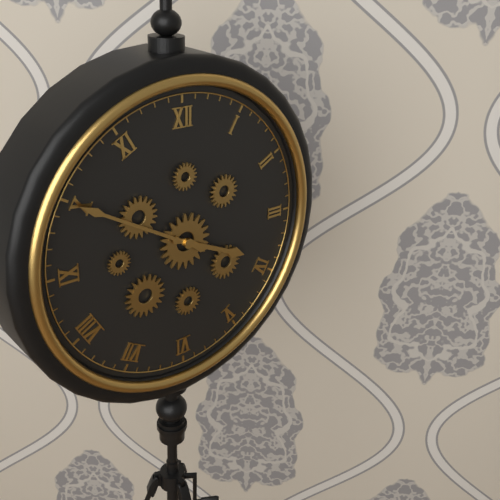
3:50
